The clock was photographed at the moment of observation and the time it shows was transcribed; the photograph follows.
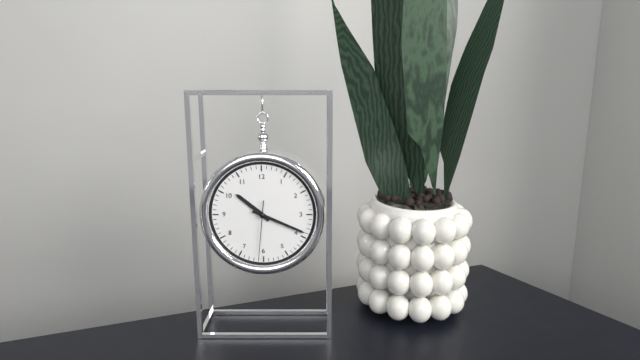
10:19:31
